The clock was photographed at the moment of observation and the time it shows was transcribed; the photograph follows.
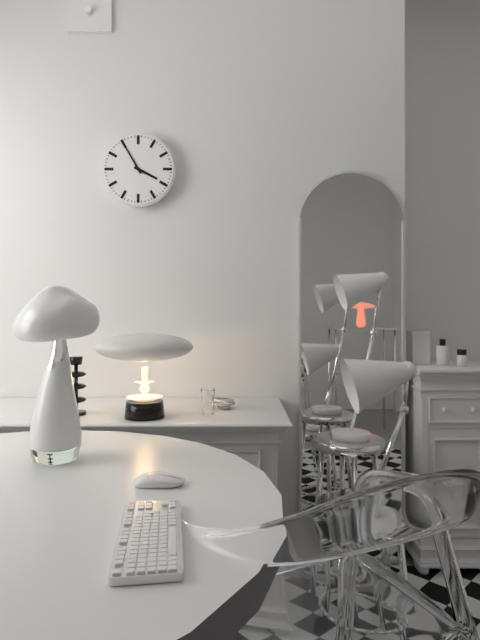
3:55
